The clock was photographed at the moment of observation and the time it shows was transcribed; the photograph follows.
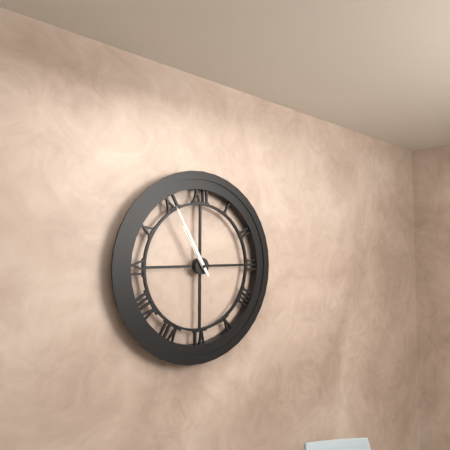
10:55
